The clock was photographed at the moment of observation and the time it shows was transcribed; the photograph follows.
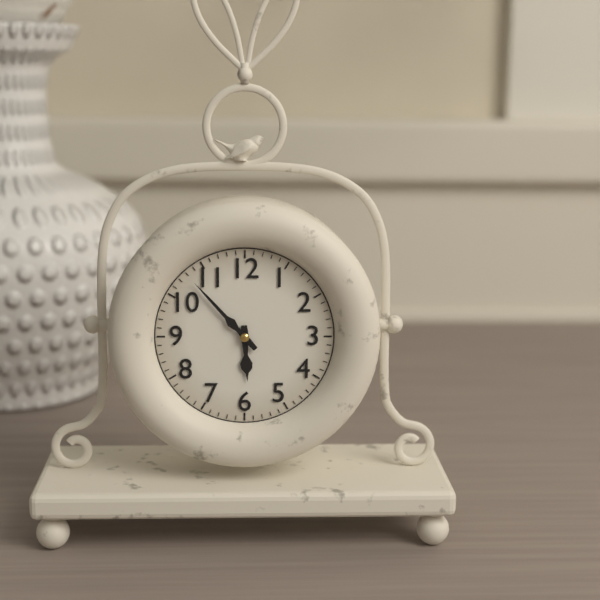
5:53
